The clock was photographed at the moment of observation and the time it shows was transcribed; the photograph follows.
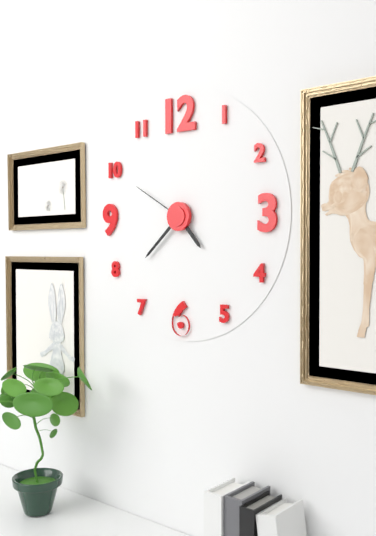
4:38:50
